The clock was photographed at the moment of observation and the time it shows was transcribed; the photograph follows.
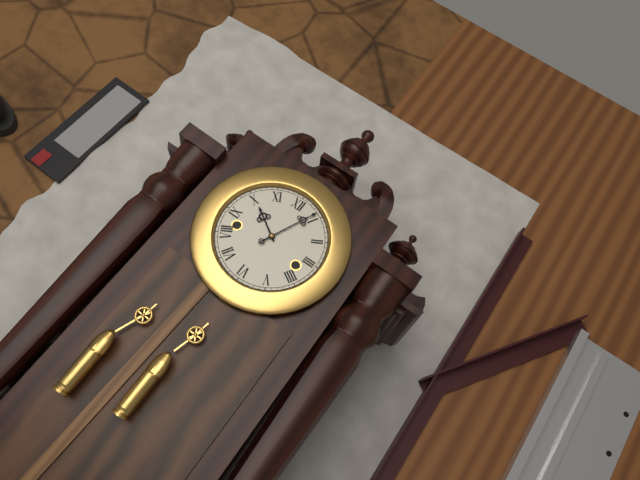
10:04
